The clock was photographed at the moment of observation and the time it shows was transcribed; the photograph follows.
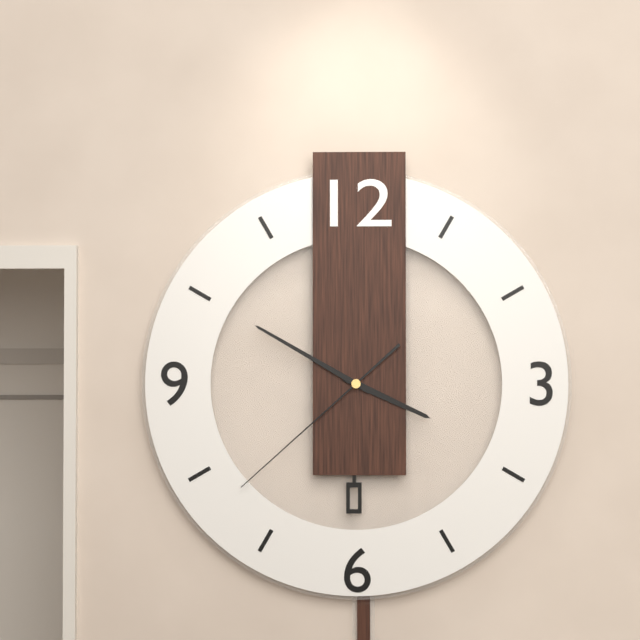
3:50:38
